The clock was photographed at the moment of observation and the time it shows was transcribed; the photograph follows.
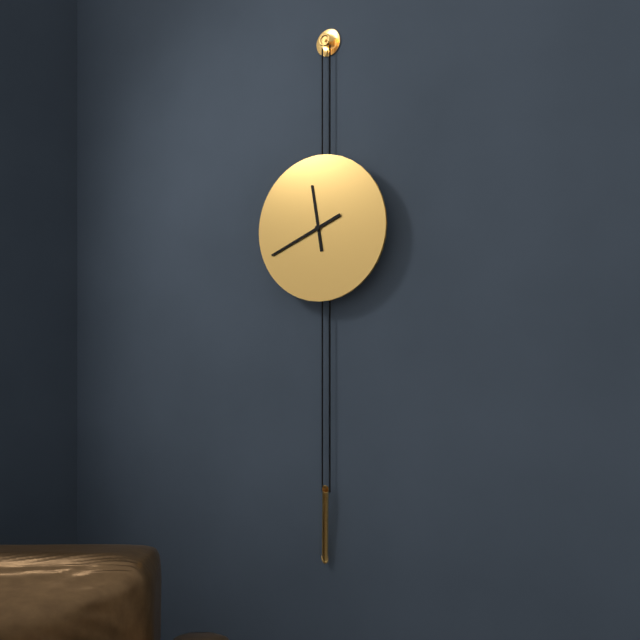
11:41
